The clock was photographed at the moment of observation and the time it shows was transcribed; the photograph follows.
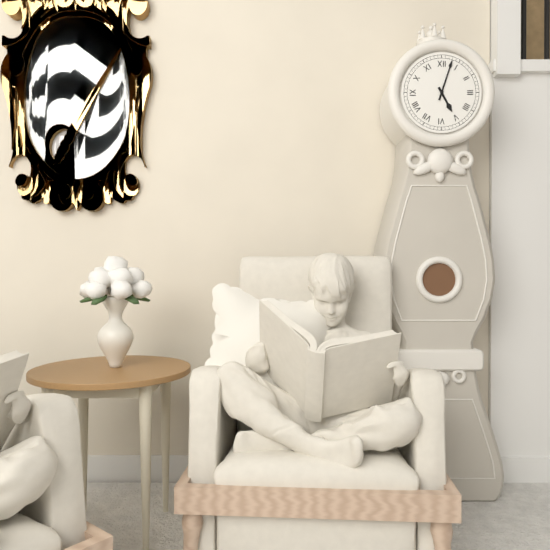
5:03
